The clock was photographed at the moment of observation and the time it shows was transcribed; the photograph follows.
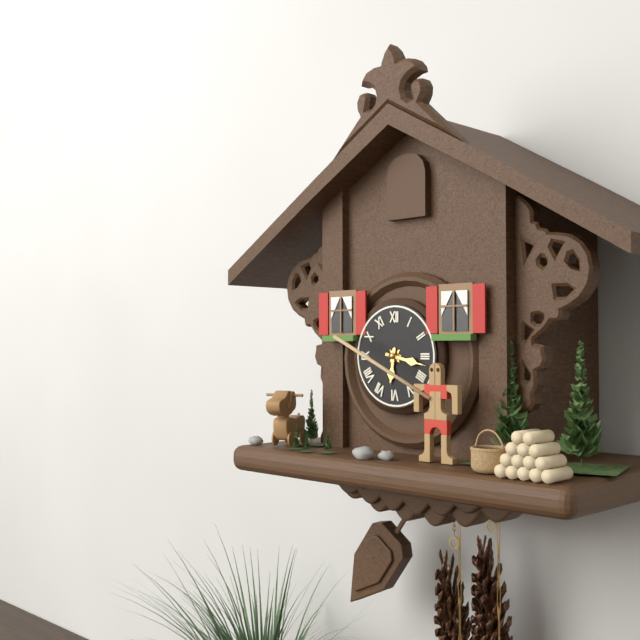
6:17
